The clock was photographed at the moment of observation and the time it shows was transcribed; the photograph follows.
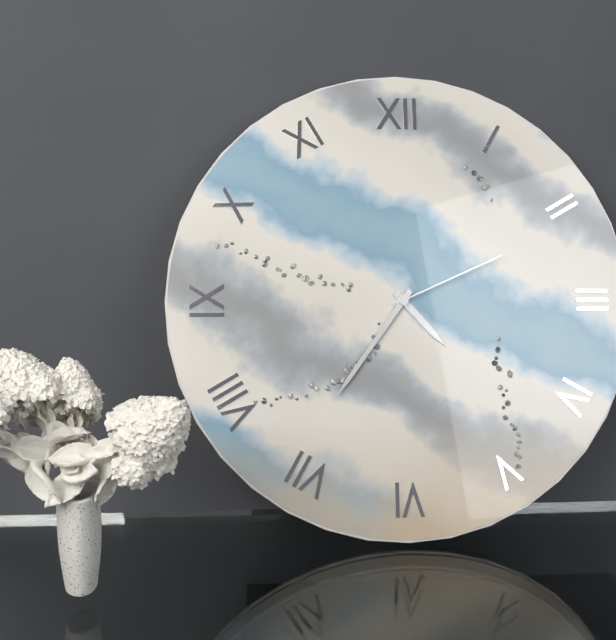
4:36:11
